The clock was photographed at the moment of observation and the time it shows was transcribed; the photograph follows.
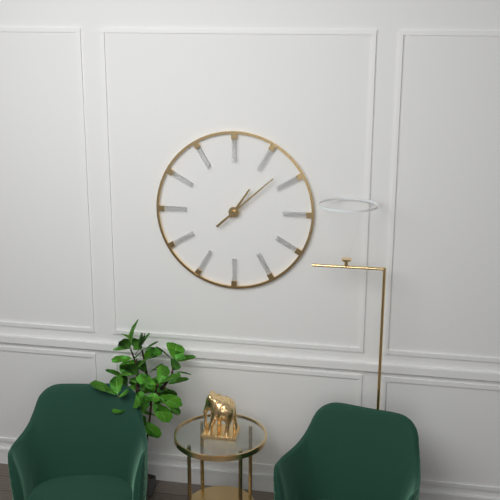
1:08
